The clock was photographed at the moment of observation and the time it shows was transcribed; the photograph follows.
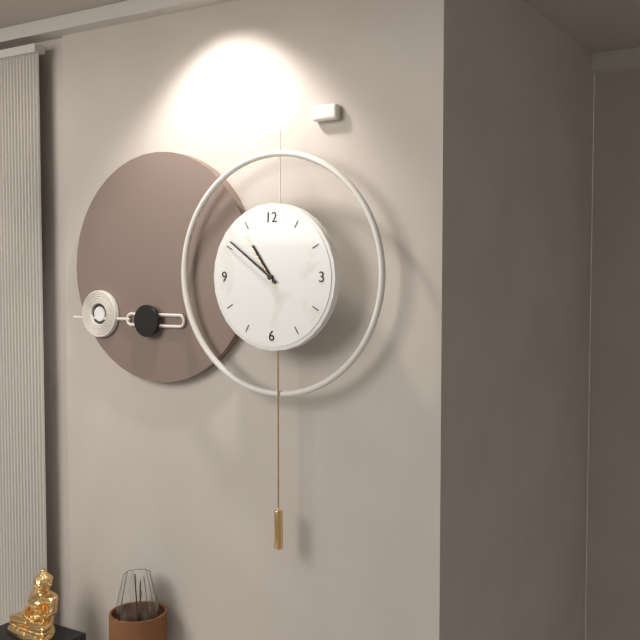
10:51:54
